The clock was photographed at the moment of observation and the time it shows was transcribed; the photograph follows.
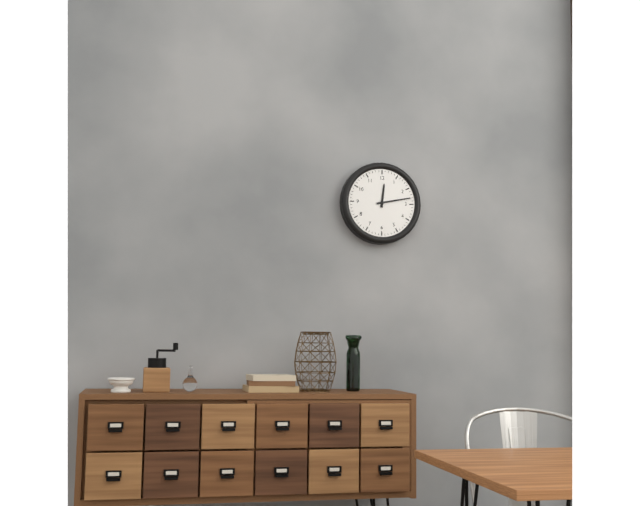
12:13
